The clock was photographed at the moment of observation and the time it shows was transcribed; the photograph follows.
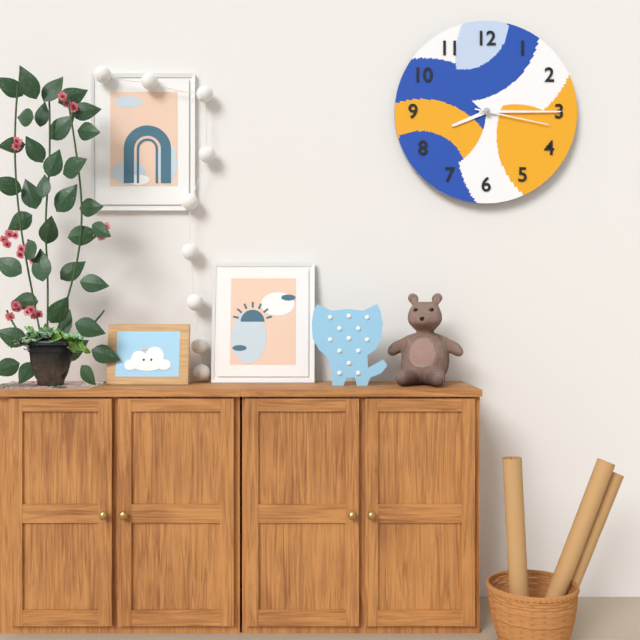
8:15:17
